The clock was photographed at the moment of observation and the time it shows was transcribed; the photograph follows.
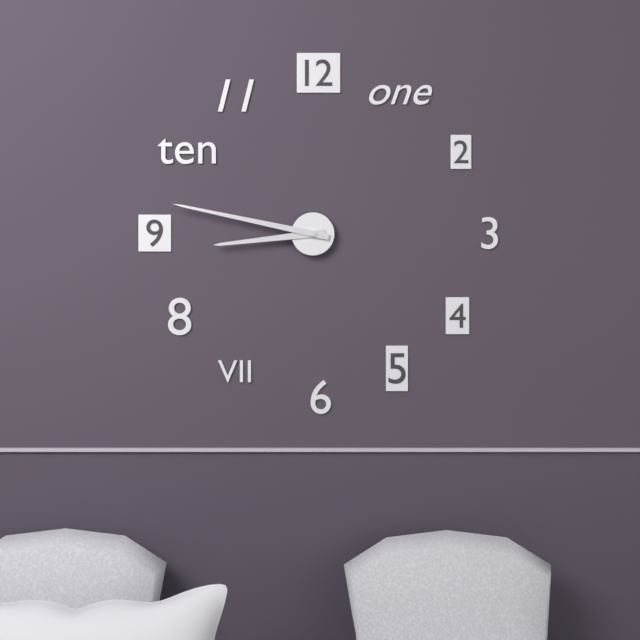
8:47
